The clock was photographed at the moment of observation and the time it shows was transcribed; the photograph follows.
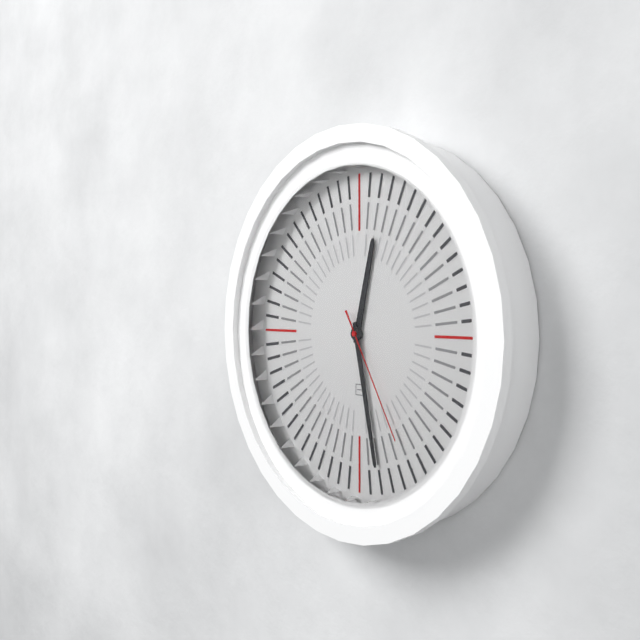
12:28:25
